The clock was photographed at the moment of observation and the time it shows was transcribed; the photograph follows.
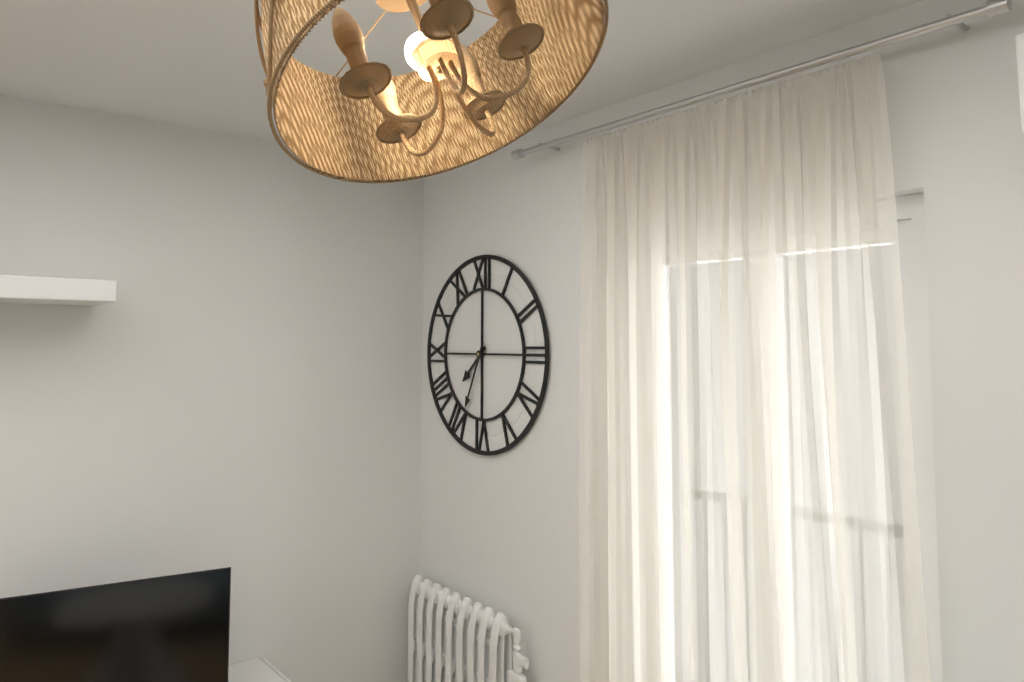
7:34
